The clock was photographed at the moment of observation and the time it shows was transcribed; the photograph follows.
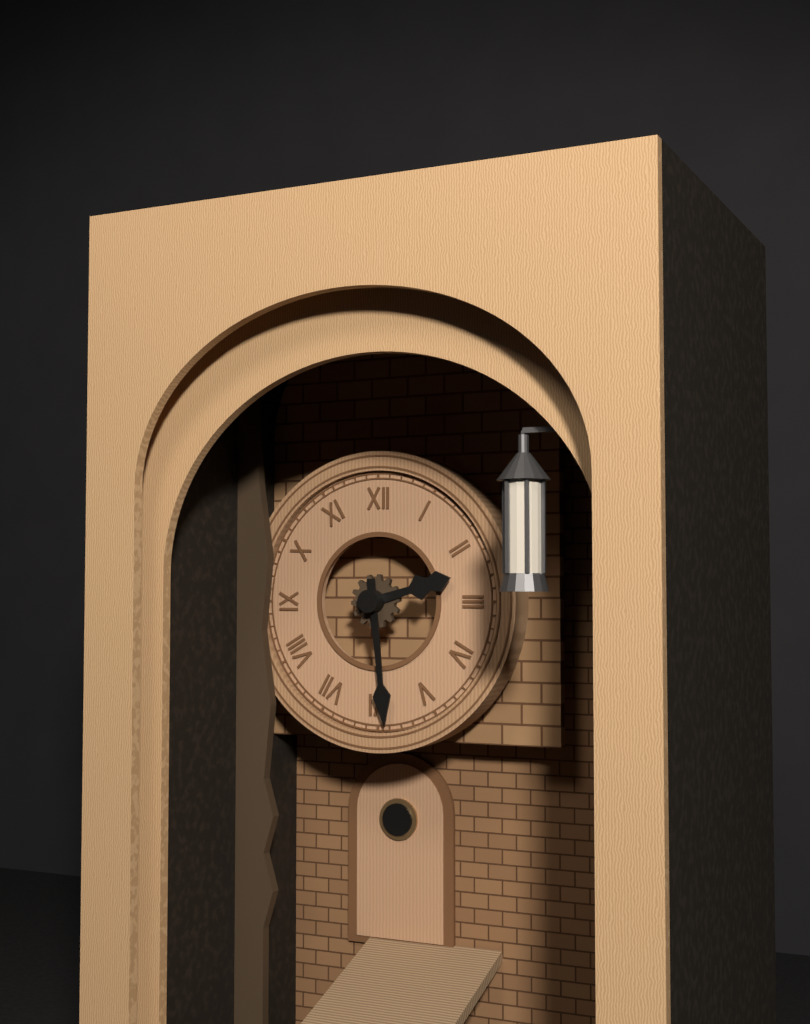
2:29
